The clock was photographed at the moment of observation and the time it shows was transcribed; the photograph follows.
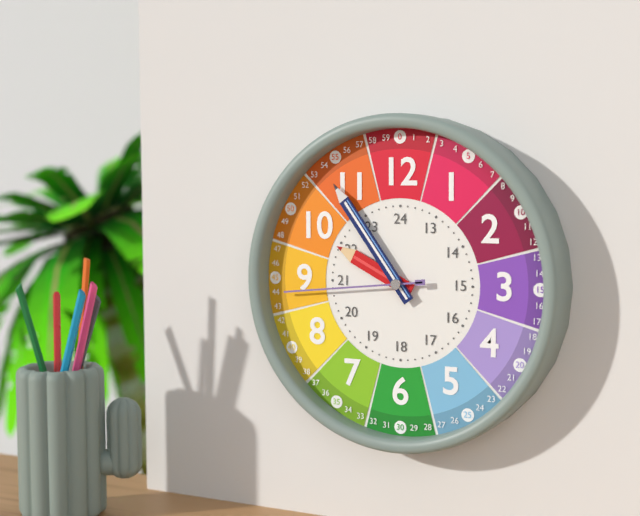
9:54:44
